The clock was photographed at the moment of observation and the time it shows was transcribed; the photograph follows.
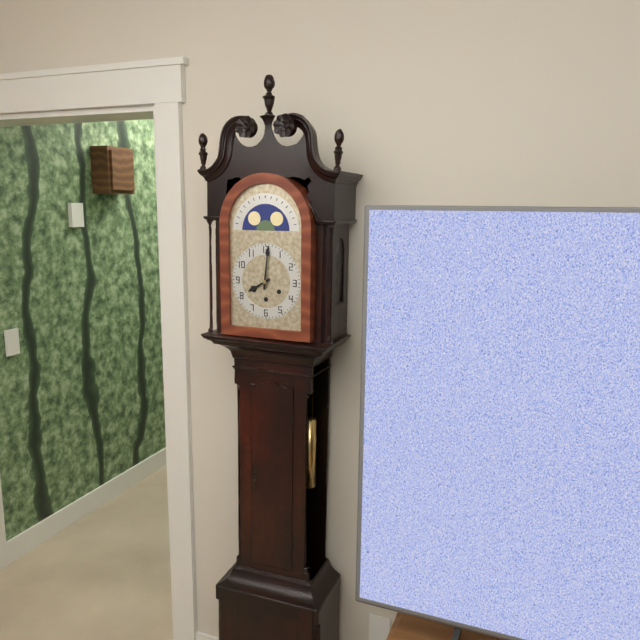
8:01
